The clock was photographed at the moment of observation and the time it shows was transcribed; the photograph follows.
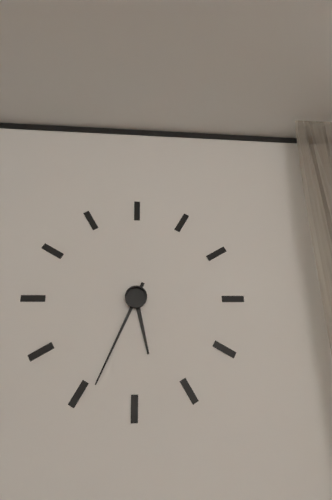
5:34
